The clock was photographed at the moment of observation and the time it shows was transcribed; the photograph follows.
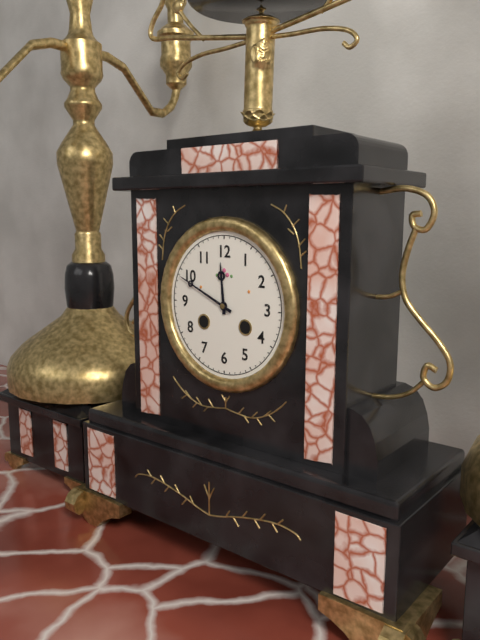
11:49
